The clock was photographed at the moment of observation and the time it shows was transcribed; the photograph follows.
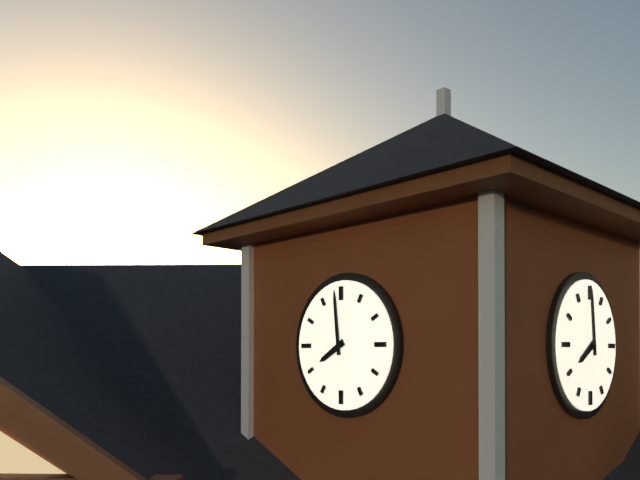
7:59
